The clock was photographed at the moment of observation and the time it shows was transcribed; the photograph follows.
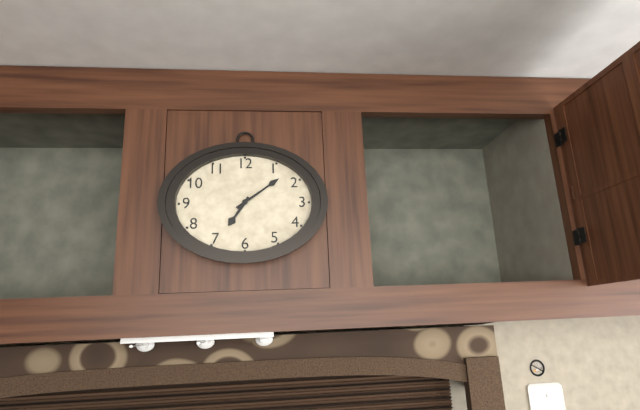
7:09
